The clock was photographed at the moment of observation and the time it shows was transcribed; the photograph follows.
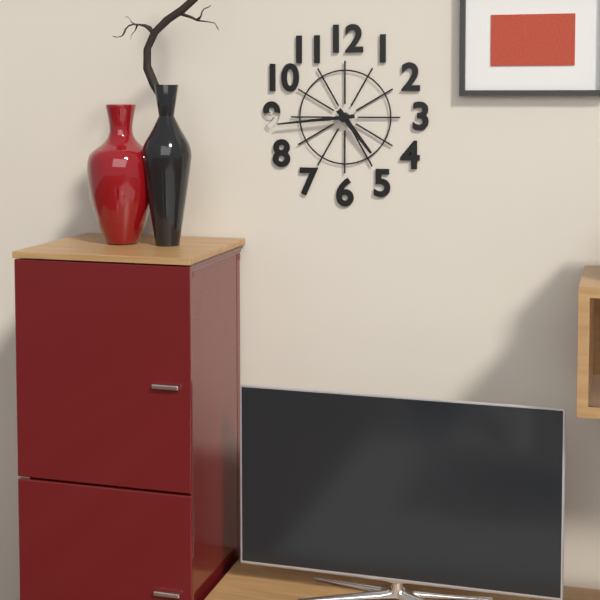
4:44
